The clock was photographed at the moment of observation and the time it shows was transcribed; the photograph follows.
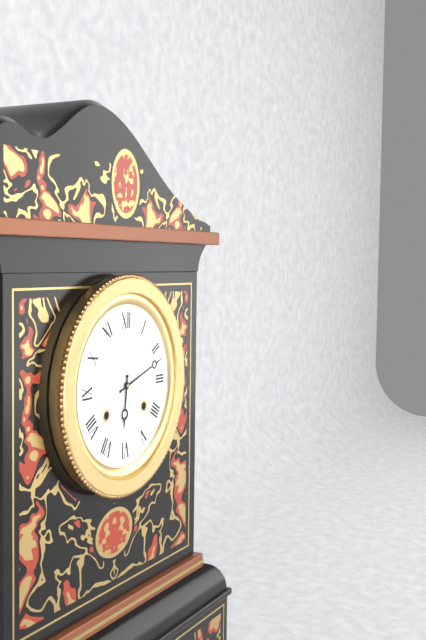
6:12
